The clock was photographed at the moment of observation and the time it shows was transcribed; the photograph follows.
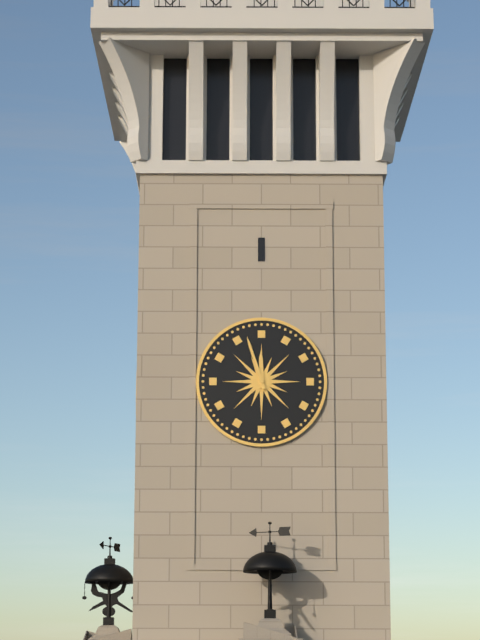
11:57
